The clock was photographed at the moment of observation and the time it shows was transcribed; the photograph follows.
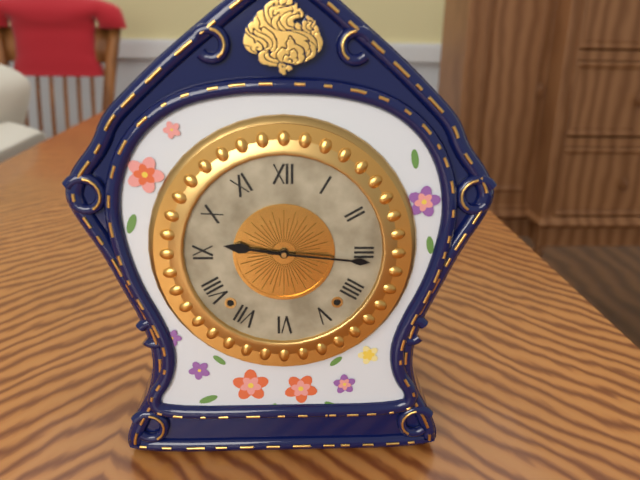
9:16
